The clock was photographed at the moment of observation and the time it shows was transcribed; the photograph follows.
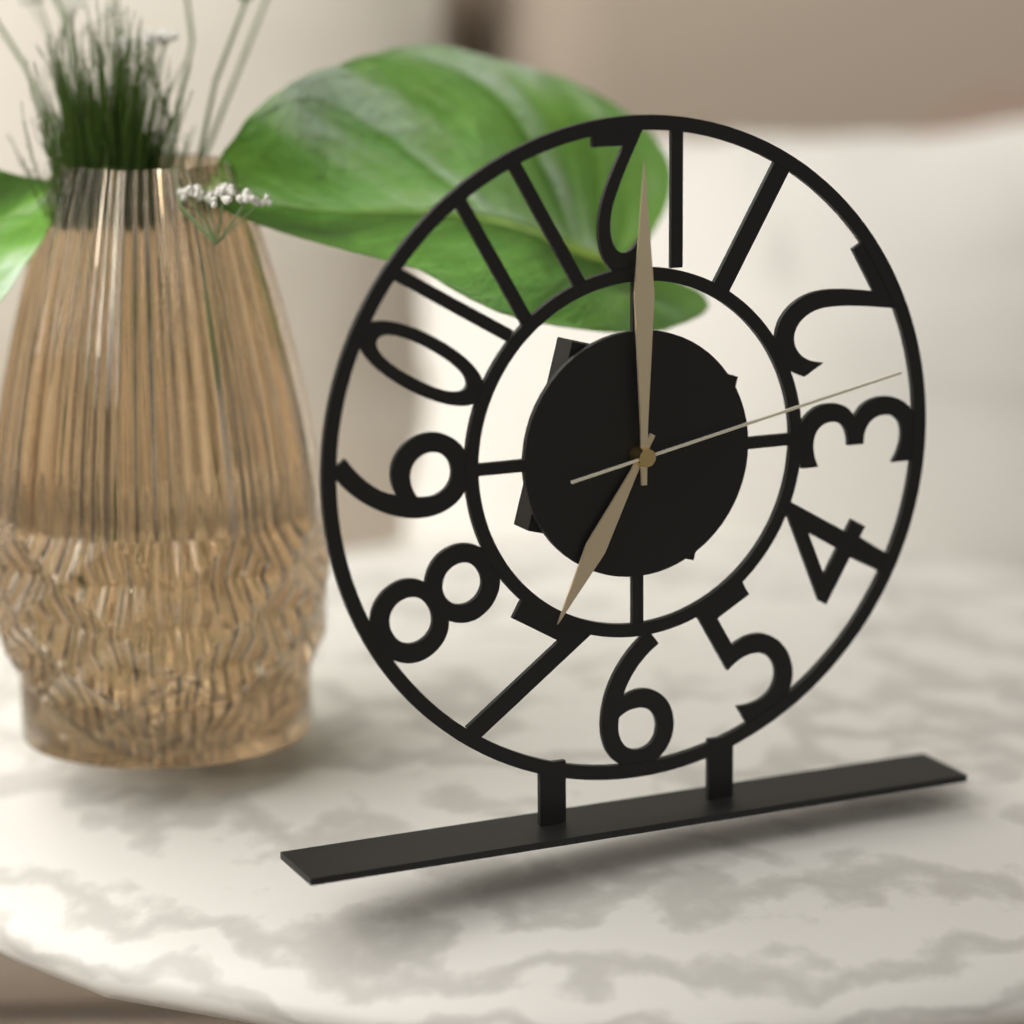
7:00:13
